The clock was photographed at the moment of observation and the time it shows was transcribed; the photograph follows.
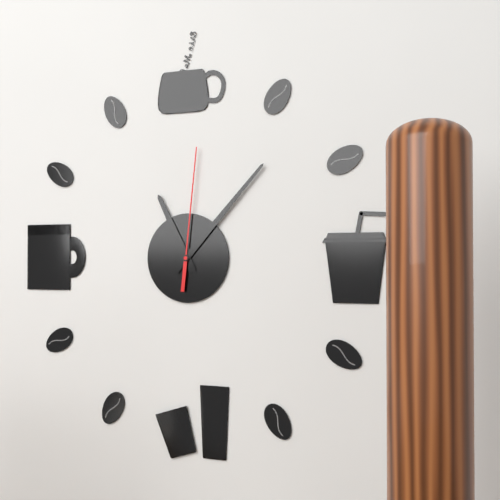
11:07:01
